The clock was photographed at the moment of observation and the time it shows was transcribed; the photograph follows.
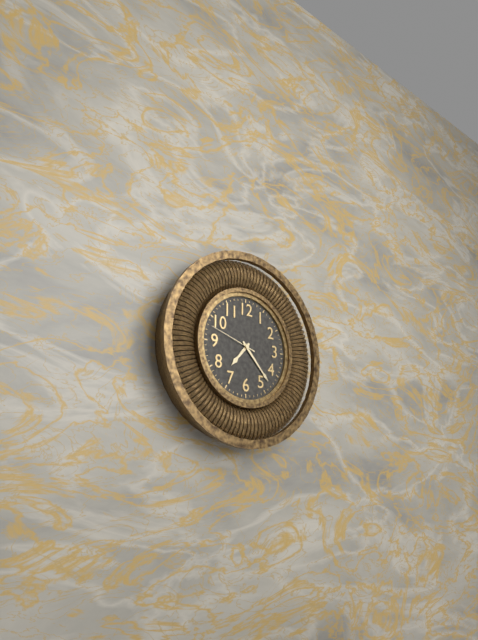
7:23:48
